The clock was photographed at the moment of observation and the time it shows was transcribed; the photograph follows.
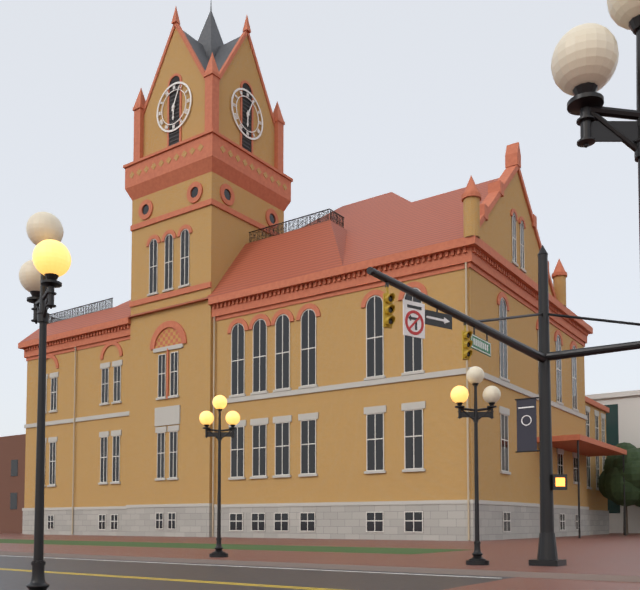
6:04
